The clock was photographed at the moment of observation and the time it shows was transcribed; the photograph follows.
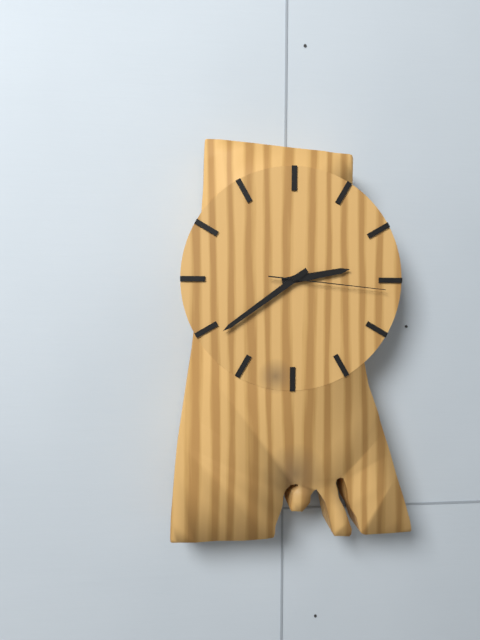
2:39:16
